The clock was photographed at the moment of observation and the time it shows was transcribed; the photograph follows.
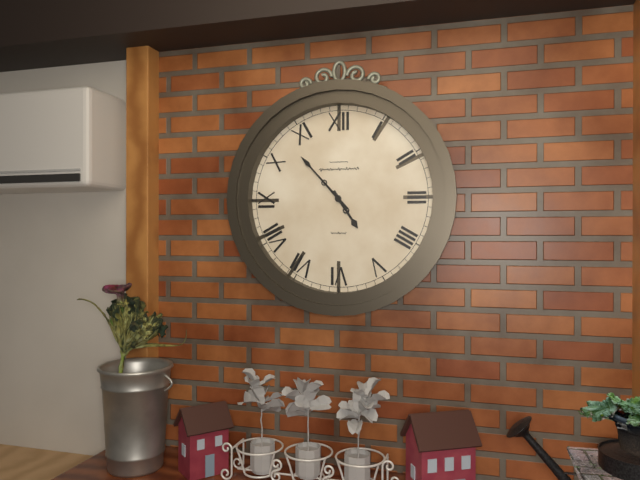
4:53
